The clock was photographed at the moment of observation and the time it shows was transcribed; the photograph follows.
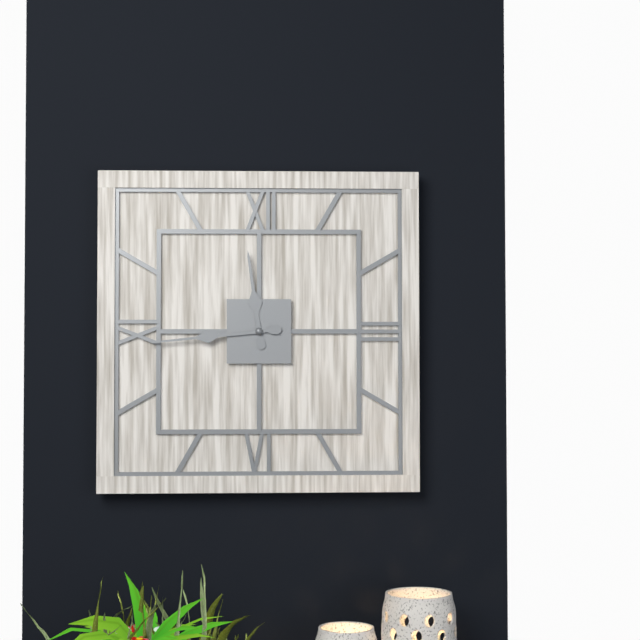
11:44
